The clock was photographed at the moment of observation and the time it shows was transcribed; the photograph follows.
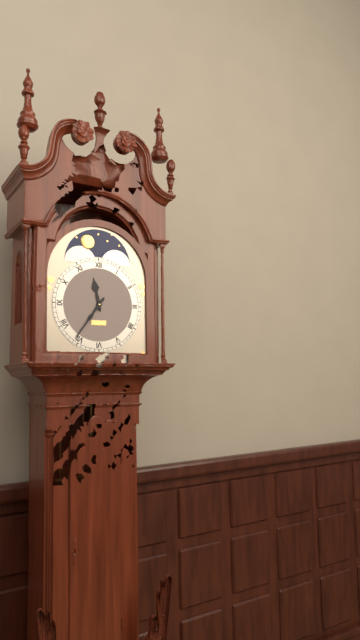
11:36
